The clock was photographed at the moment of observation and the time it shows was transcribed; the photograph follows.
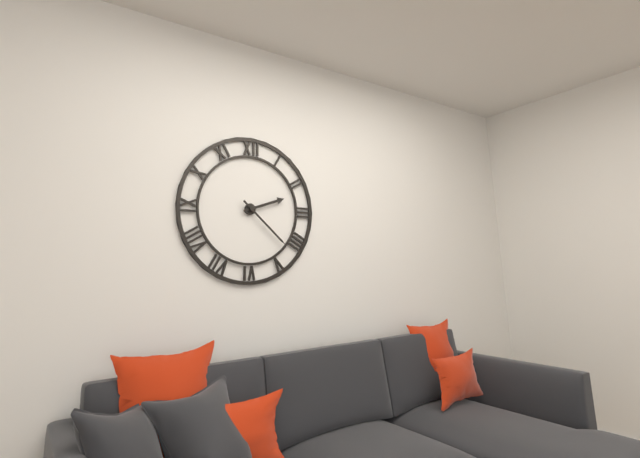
2:22
